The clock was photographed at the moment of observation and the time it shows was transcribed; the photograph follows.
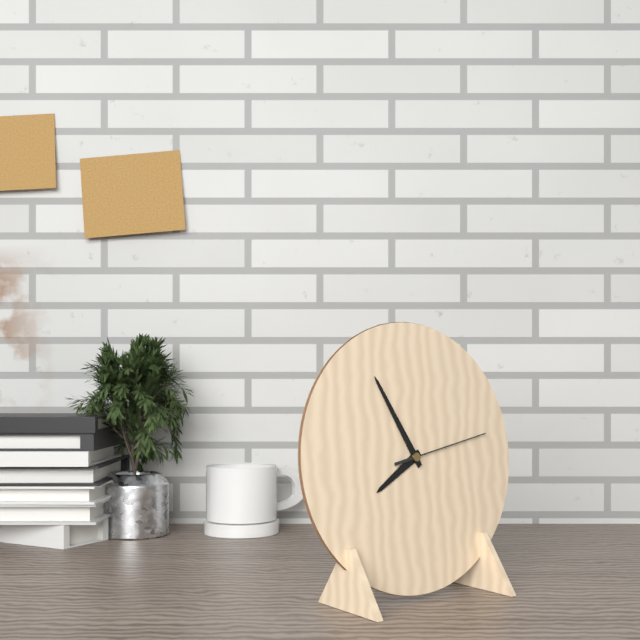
7:55:13
